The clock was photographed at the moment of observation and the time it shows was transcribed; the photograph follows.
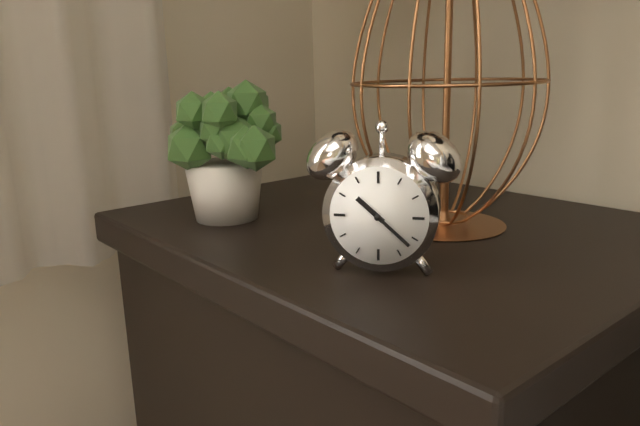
10:22
